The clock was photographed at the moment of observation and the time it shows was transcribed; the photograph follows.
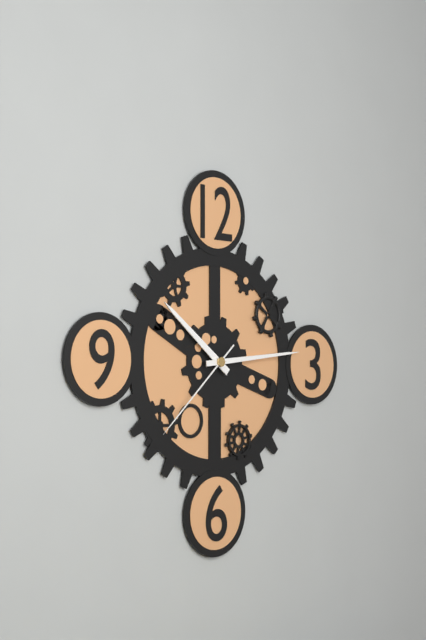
10:14:38
